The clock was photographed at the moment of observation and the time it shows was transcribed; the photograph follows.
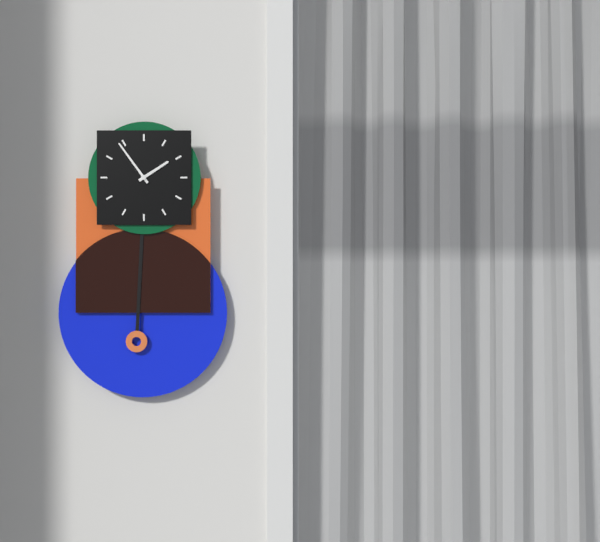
1:54
